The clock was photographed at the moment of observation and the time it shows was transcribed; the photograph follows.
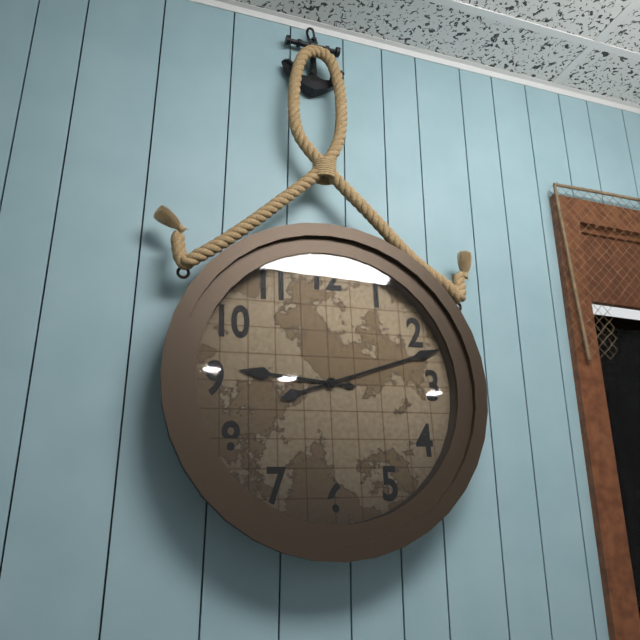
9:12
